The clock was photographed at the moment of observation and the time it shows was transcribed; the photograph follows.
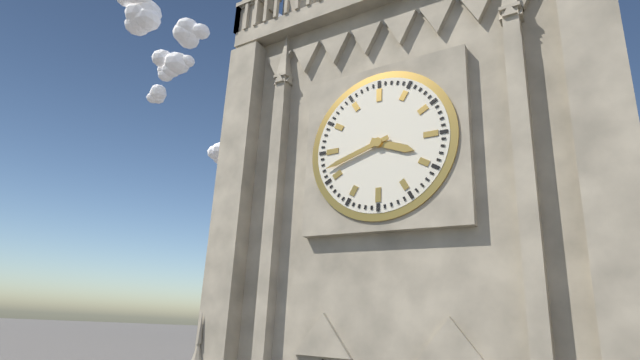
3:42
